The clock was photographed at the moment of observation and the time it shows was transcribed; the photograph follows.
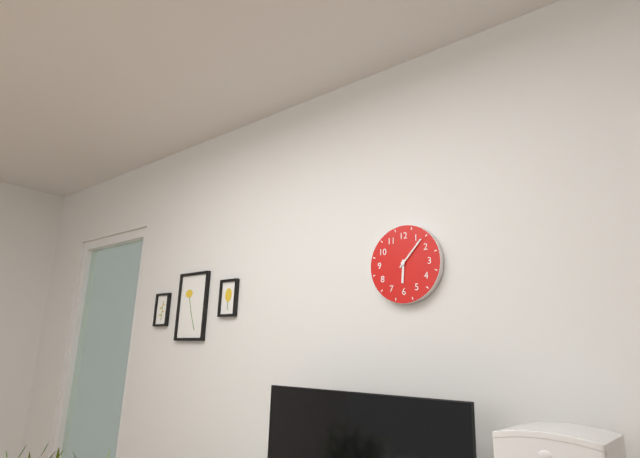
6:07
